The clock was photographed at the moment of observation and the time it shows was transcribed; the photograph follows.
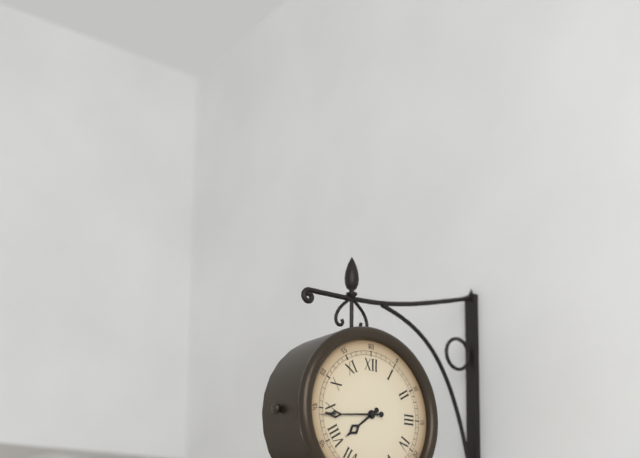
7:44
